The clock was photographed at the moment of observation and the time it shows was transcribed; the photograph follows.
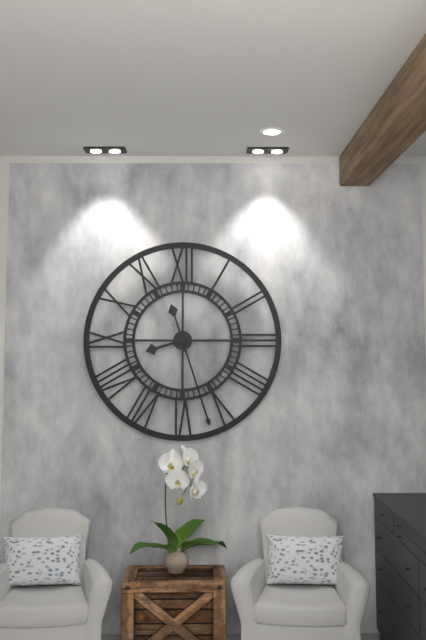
8:27
